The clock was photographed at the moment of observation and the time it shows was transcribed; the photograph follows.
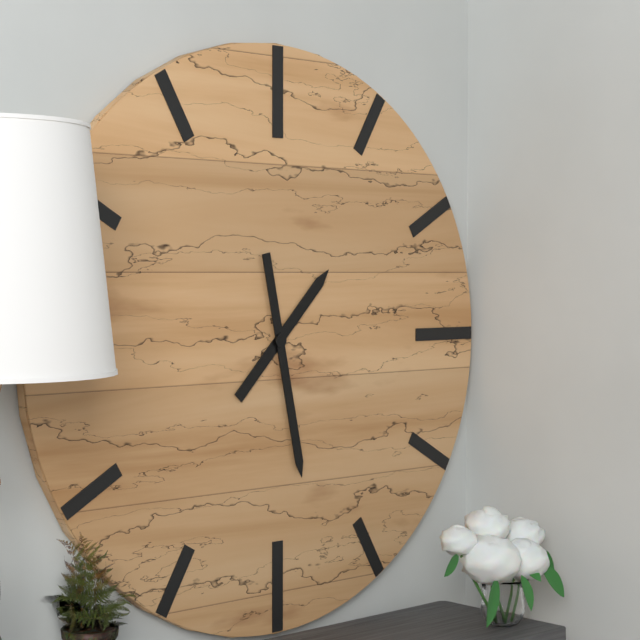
1:28
